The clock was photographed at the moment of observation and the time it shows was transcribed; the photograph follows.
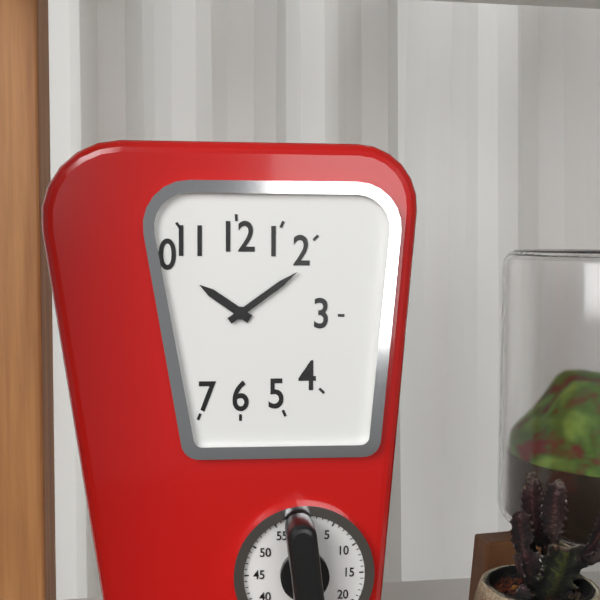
10:09
